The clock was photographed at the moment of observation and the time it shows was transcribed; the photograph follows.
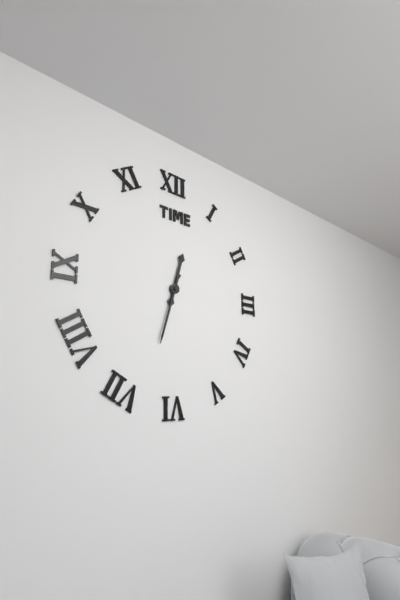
12:33
